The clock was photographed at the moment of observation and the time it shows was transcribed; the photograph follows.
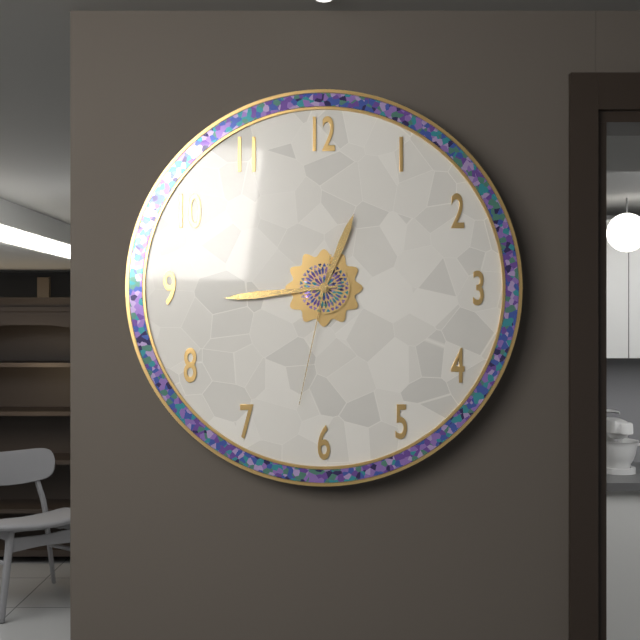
12:44:32
